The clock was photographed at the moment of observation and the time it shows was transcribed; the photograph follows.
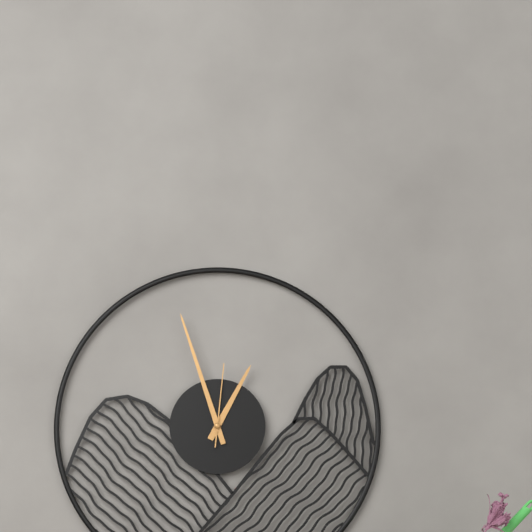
12:57:01
